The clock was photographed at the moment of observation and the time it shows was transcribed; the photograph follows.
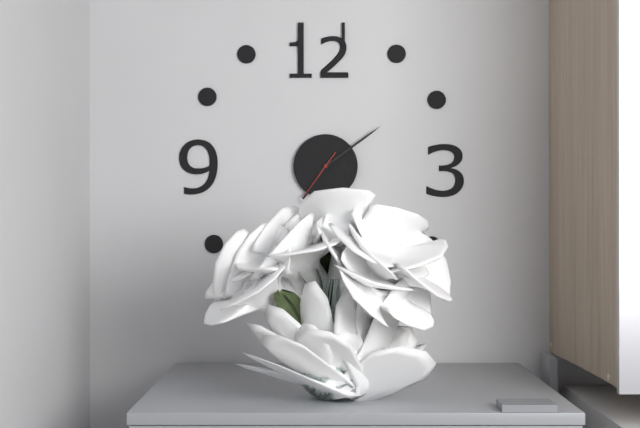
7:09:36
